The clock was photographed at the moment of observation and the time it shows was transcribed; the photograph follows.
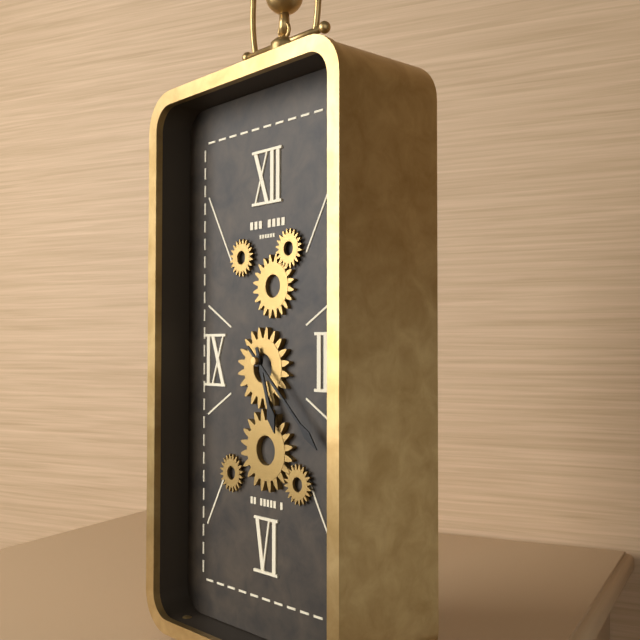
5:22
